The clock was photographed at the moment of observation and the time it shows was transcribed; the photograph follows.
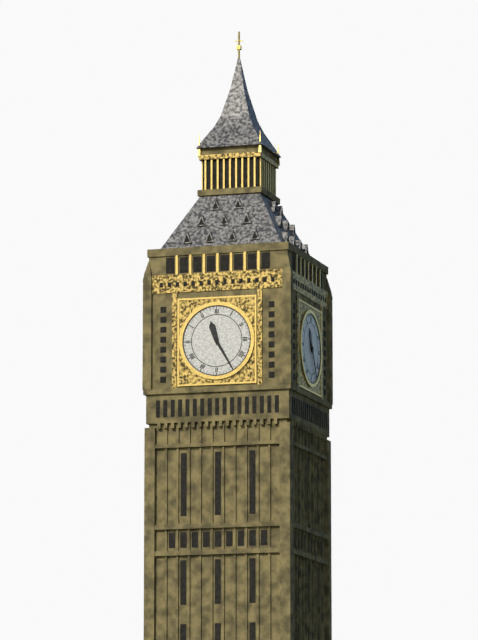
11:25
